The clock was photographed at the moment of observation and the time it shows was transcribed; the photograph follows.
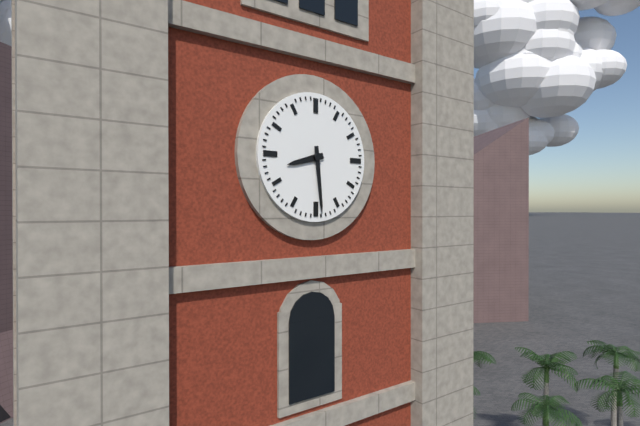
8:29
